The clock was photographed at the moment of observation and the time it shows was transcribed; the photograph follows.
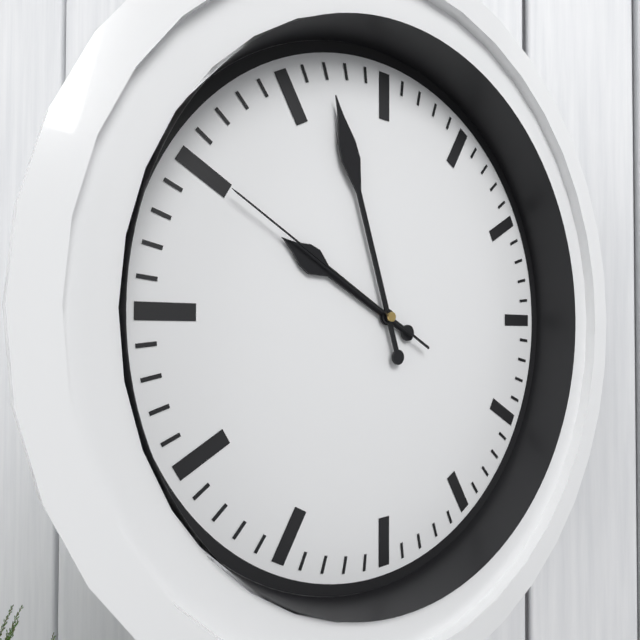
9:57:50
